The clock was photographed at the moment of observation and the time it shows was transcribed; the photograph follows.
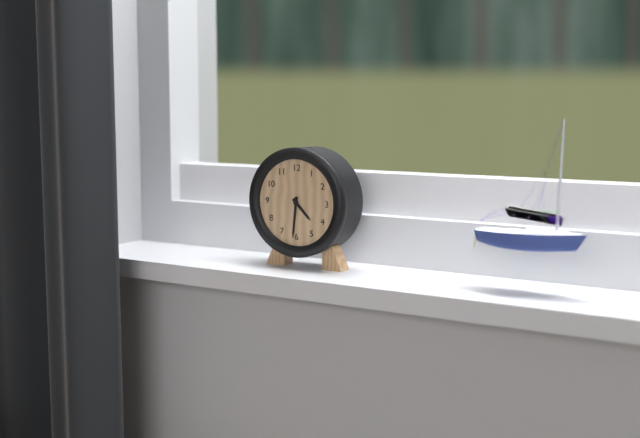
4:31
